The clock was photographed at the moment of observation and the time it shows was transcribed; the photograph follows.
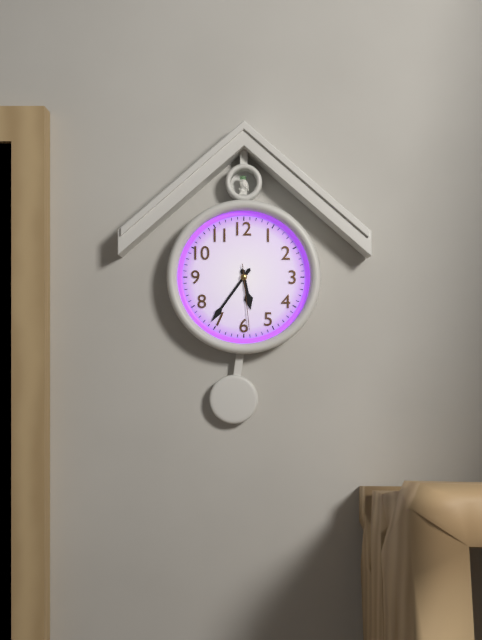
5:36:29
